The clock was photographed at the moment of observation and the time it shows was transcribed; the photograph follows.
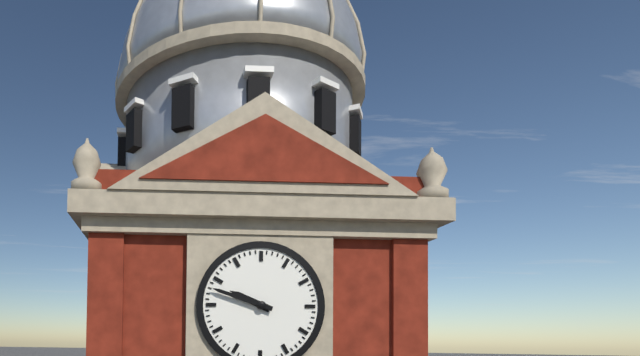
9:48
